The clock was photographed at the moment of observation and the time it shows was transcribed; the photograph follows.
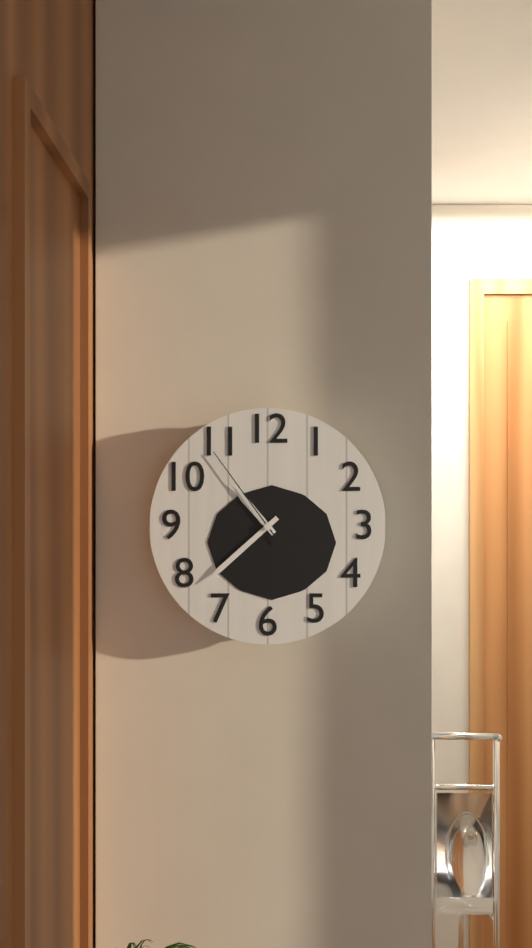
10:38:54
